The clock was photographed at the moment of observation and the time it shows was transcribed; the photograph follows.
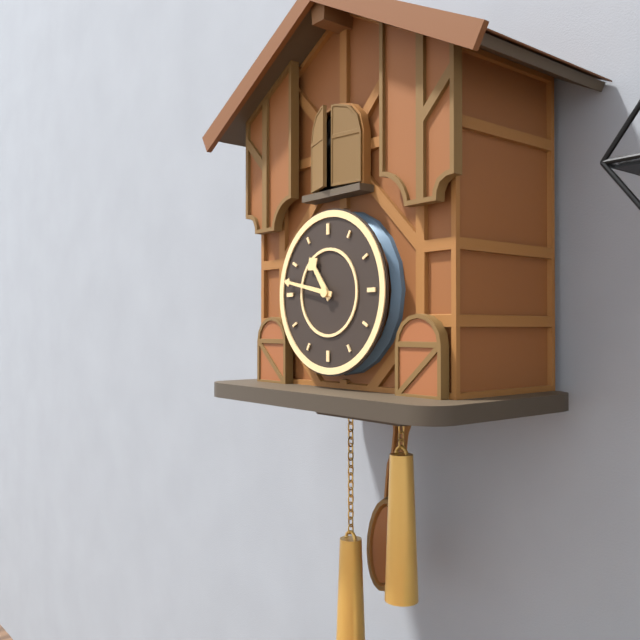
10:47
